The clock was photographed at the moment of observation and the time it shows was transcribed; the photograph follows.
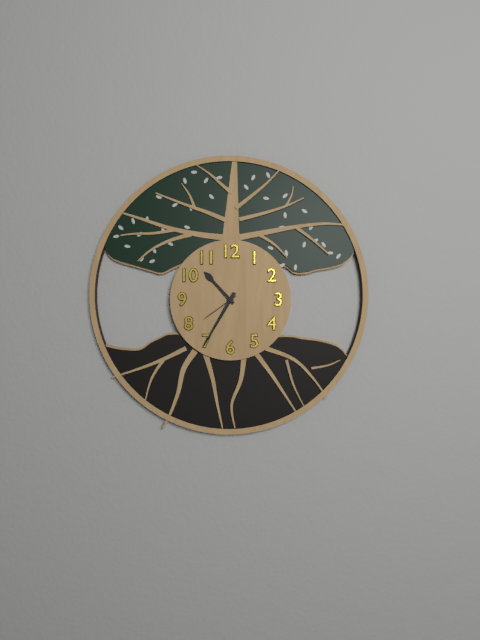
10:35
